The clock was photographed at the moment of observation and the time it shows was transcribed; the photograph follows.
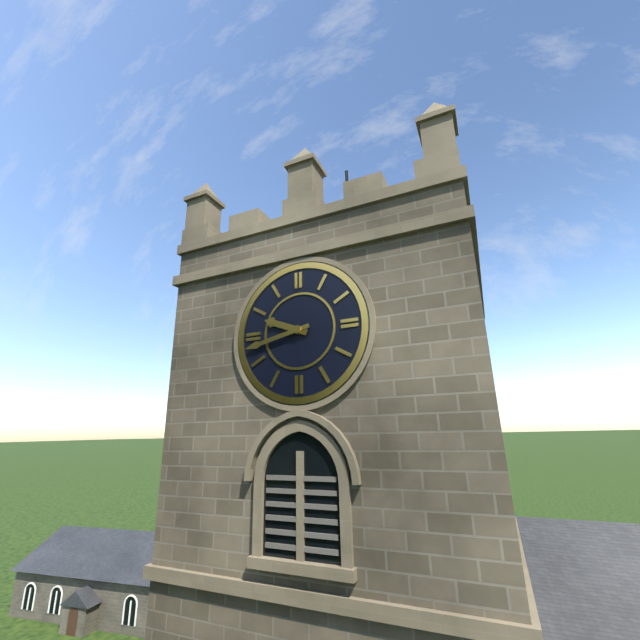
9:43
